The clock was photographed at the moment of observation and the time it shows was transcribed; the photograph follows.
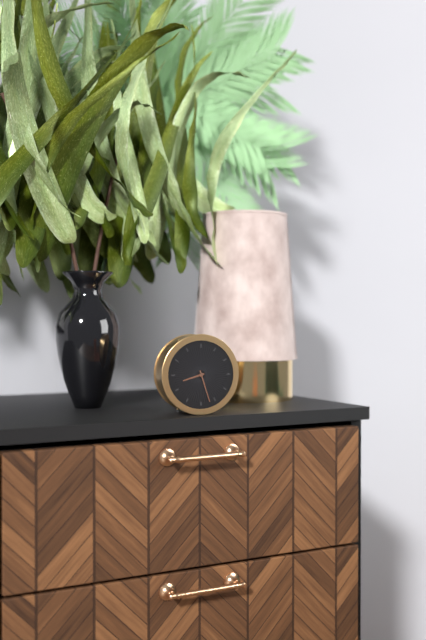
8:27
